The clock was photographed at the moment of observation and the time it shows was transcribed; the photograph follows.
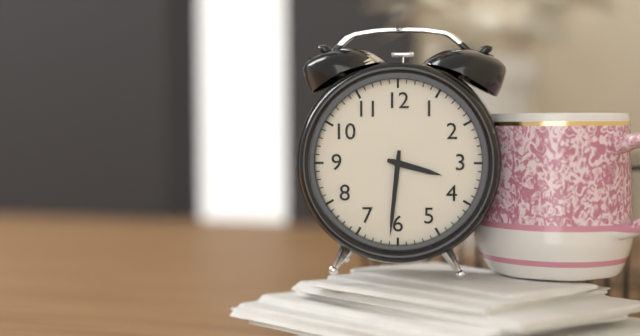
3:31
